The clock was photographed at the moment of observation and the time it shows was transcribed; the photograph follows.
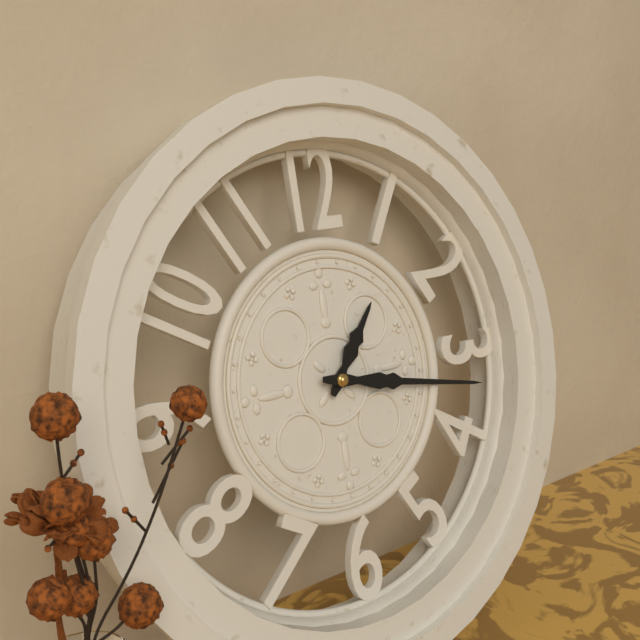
1:17
